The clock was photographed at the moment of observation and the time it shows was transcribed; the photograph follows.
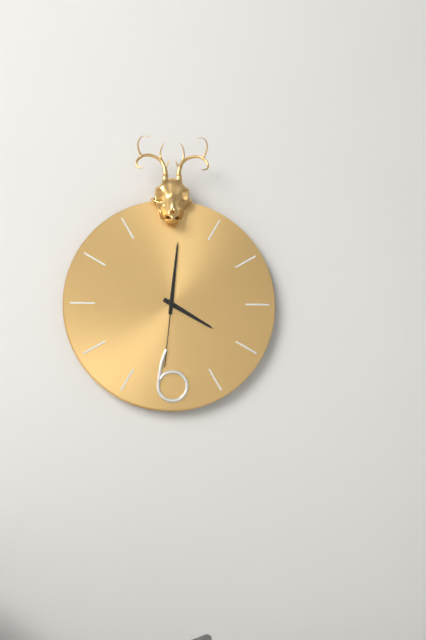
4:01:31
